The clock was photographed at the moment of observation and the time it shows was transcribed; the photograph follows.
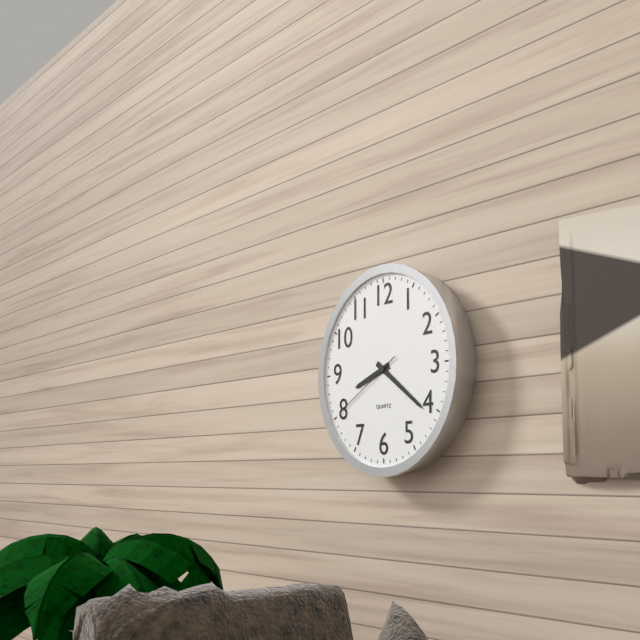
8:21:40
